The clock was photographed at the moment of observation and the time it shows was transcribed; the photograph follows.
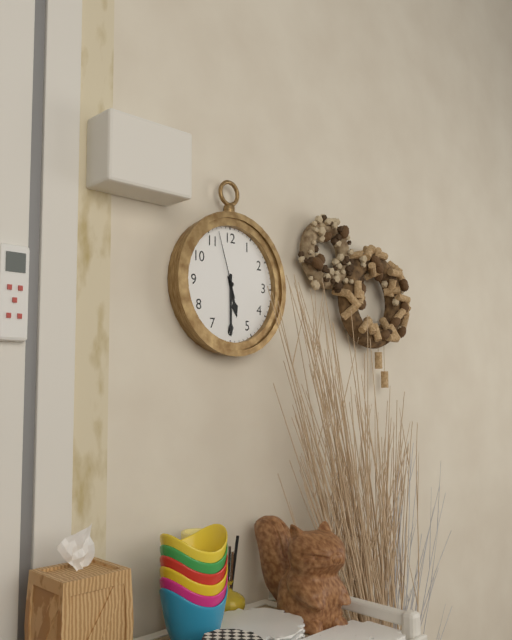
5:30:57
